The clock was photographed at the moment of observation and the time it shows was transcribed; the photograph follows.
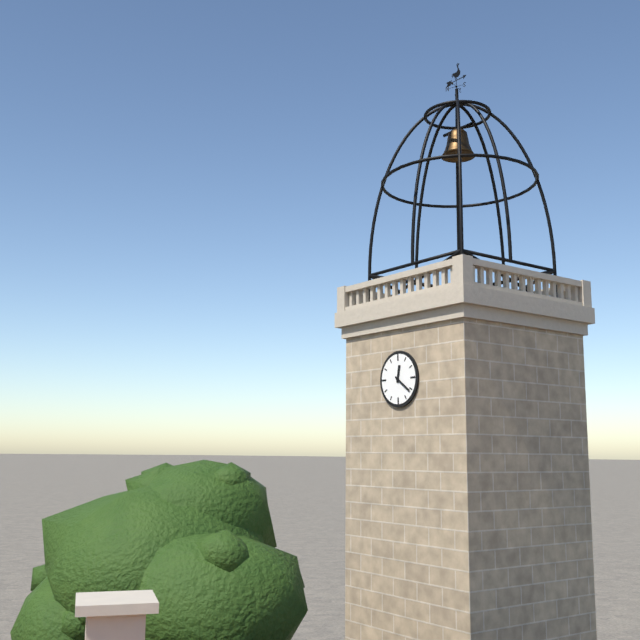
12:21
